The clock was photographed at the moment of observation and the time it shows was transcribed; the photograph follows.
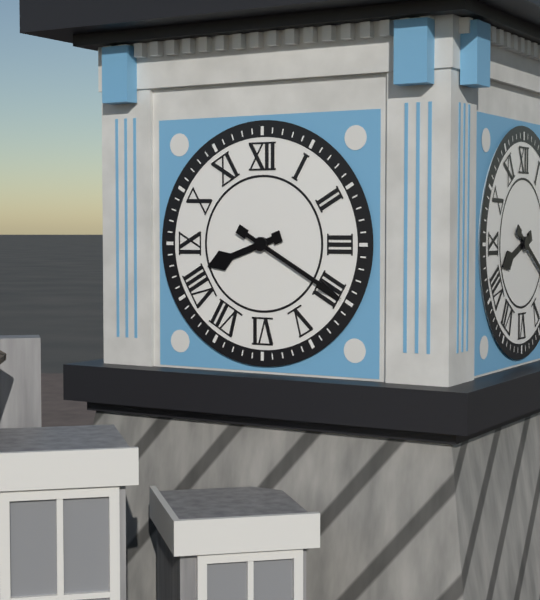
8:20
